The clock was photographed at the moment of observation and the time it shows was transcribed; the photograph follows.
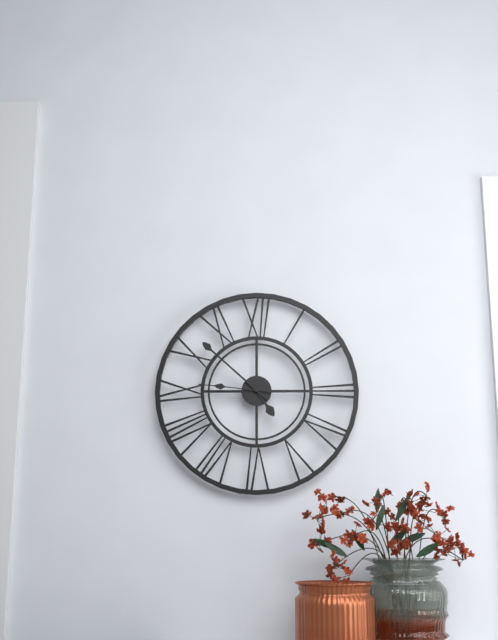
4:52:46
